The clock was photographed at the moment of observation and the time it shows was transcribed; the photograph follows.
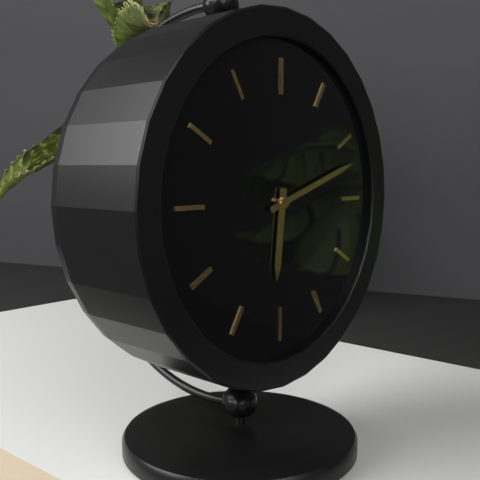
6:12
